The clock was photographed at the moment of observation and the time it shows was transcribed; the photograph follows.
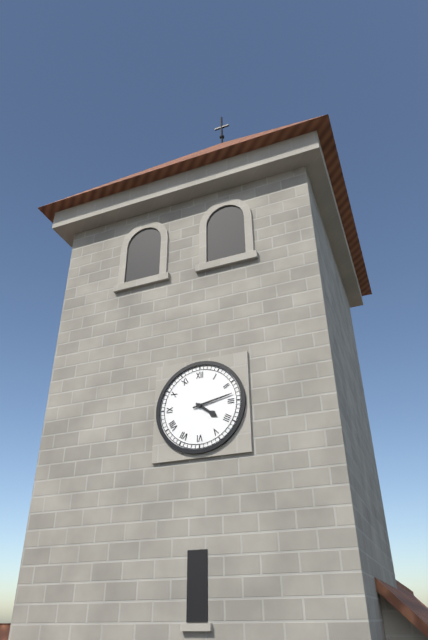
4:13
